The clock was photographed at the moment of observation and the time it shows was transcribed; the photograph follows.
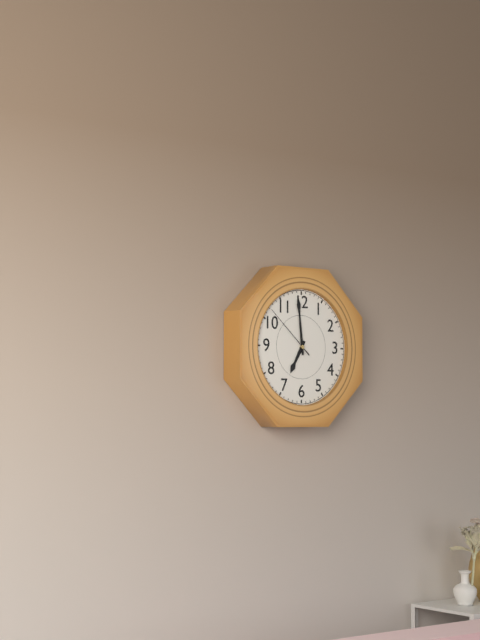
6:59:52
